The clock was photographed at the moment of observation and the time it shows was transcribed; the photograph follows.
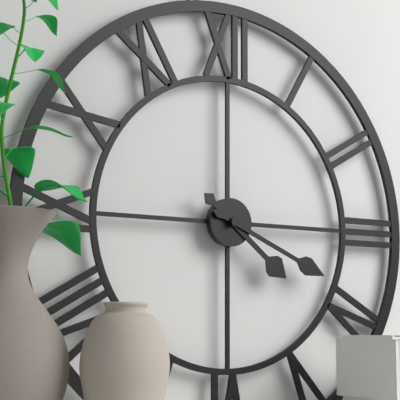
4:19
